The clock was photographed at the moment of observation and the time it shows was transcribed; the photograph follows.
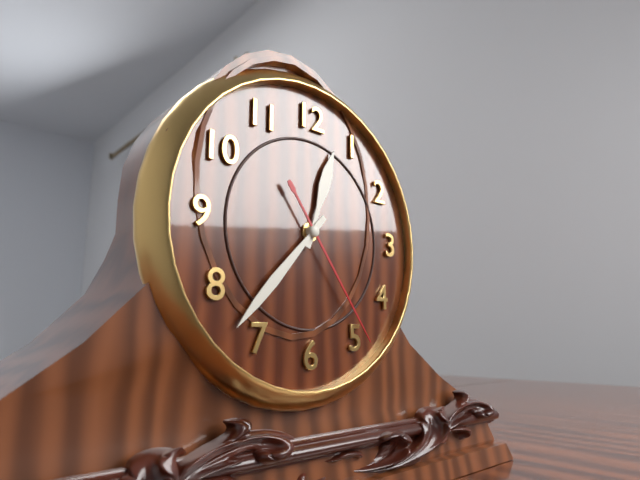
12:37:24
